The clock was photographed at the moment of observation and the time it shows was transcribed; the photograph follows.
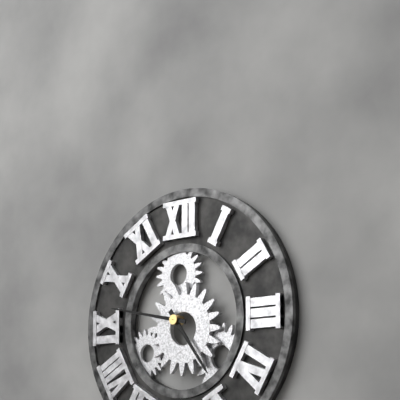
4:47
